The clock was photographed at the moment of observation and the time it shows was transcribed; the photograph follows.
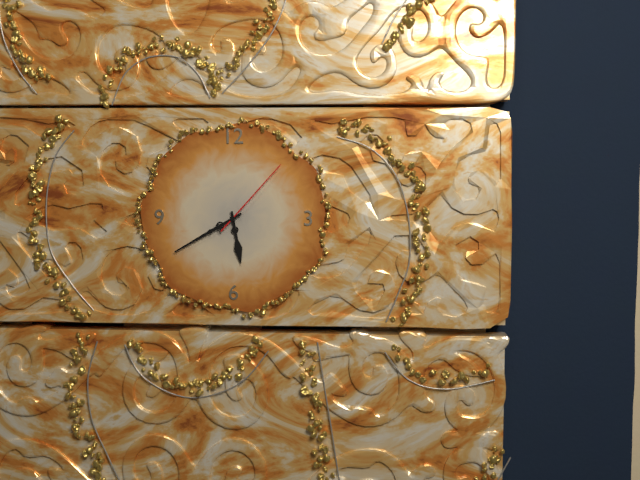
5:40:07
